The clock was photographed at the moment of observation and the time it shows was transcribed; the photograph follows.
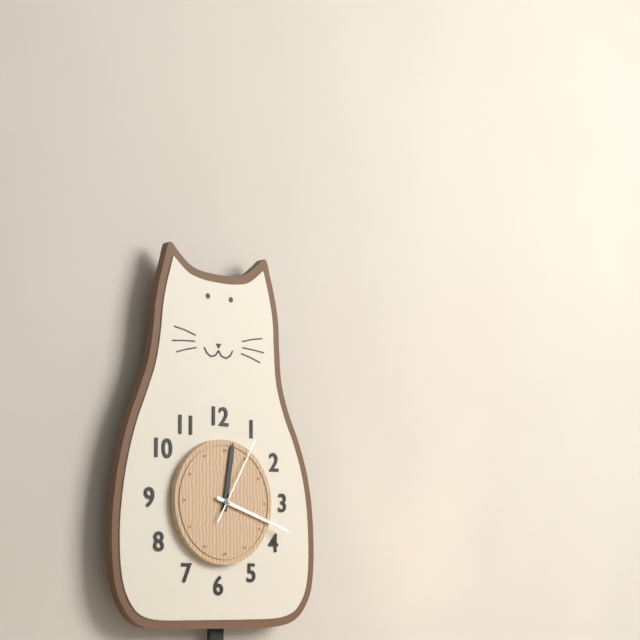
12:18:05
